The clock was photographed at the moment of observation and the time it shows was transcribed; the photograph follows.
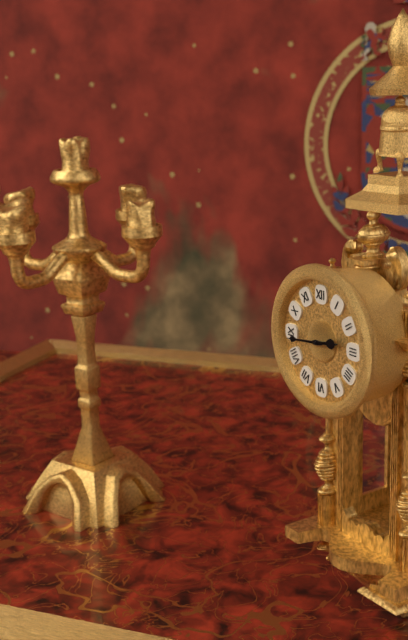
2:44
